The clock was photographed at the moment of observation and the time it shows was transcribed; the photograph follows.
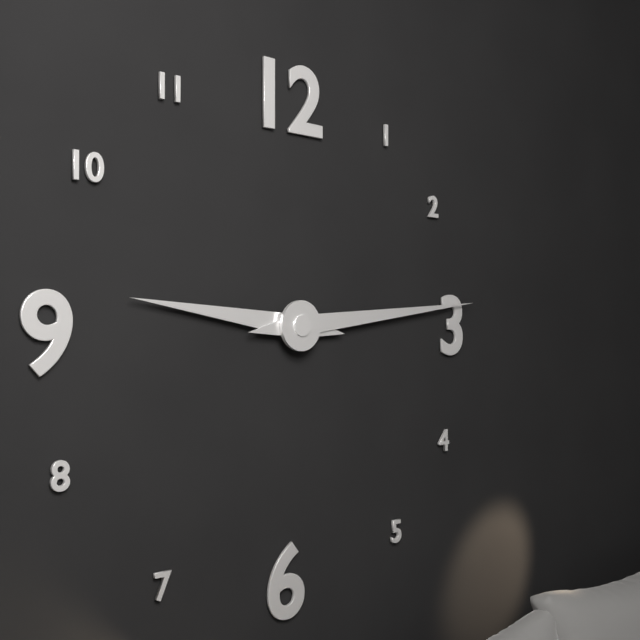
9:14
